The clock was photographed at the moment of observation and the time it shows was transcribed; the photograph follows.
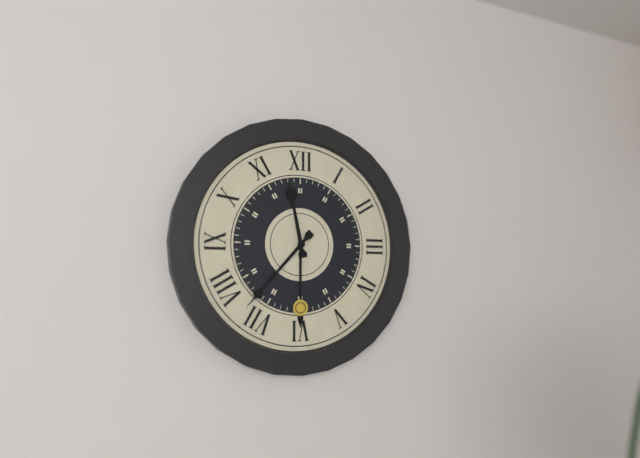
11:37
